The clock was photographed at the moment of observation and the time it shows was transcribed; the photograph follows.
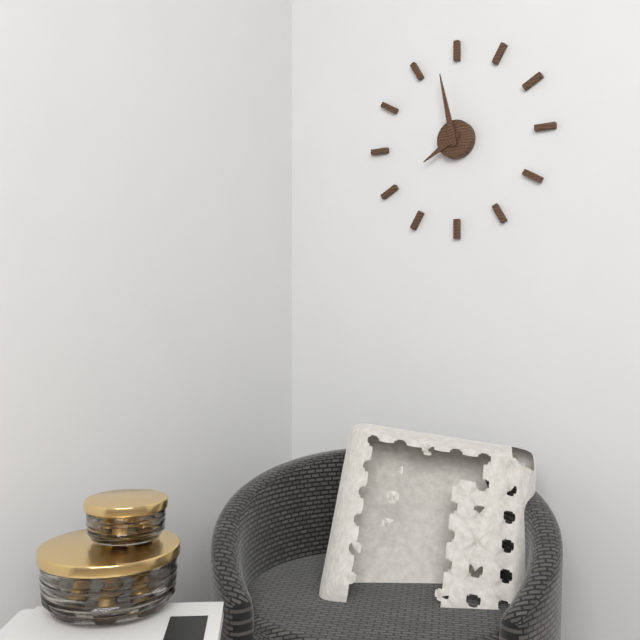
7:58
